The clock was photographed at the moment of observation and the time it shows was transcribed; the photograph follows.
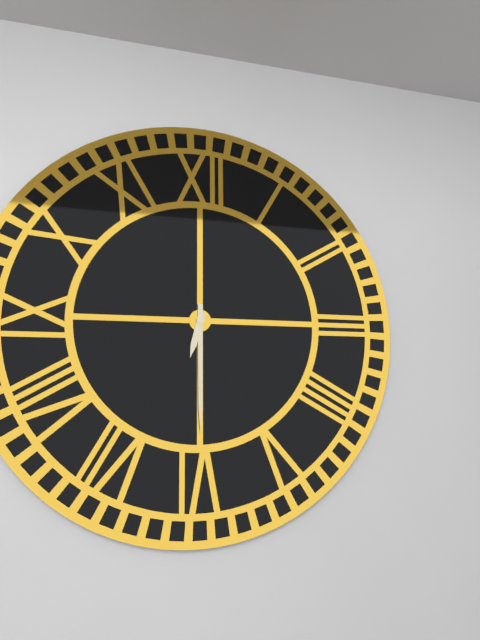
6:30
